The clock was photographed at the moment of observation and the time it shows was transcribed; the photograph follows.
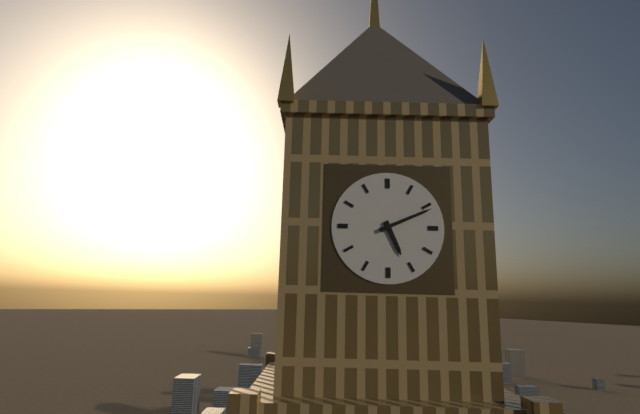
5:11
